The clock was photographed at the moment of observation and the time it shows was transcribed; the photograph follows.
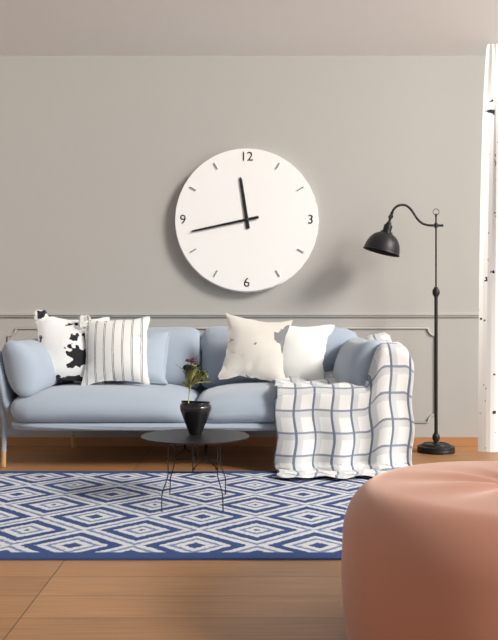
11:43
